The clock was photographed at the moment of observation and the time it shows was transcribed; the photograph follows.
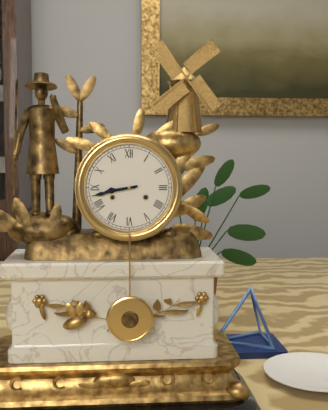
8:43
